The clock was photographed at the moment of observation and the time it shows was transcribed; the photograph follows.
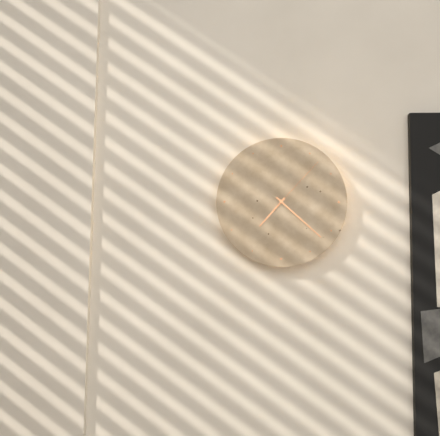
7:22:07
